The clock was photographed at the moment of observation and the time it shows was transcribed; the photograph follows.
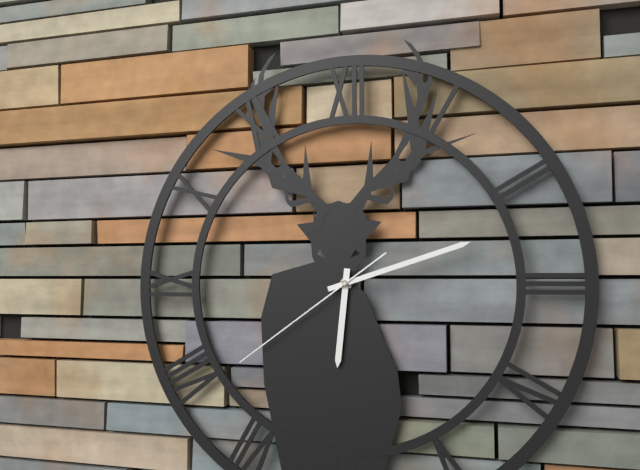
6:12:39
